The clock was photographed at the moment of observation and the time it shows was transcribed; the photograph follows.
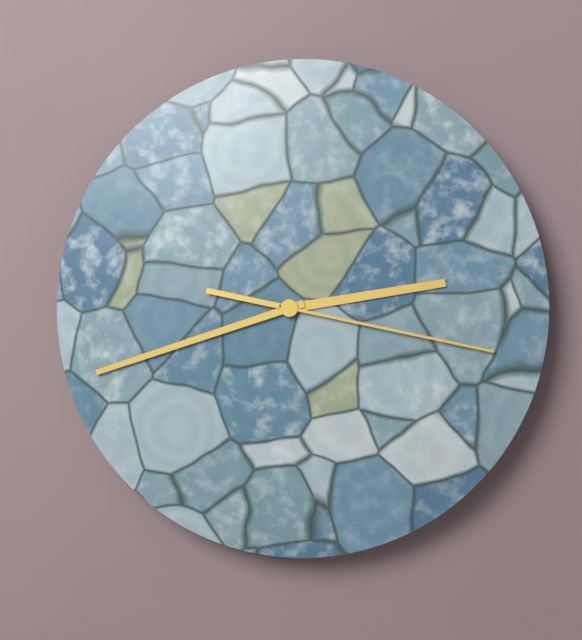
2:42:17
